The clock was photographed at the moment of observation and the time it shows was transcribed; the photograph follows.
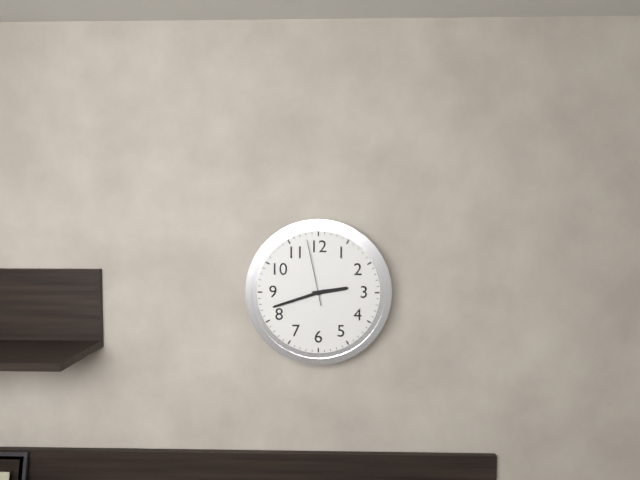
2:42:58
